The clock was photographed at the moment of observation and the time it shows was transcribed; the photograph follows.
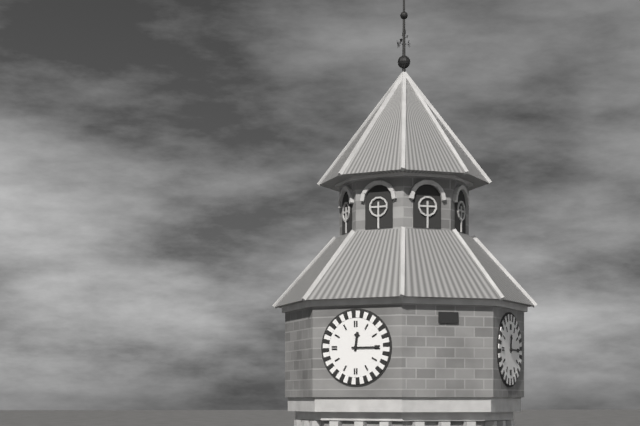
12:15
